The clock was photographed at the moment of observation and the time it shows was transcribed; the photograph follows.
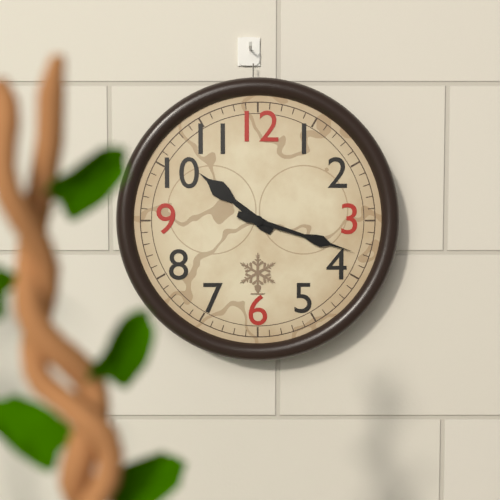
10:18
